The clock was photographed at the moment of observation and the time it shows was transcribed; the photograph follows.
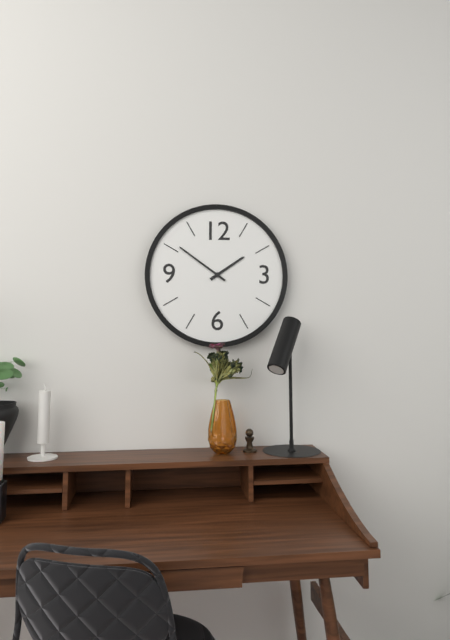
1:51
